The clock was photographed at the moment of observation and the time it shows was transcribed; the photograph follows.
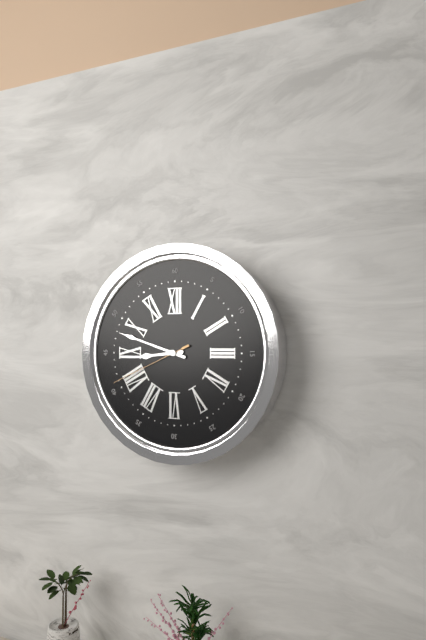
8:48:41
